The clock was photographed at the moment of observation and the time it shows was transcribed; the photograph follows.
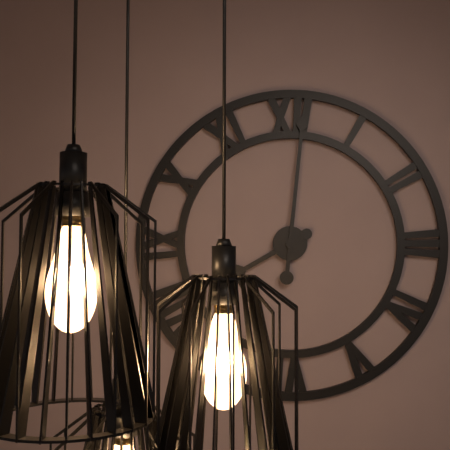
8:01
